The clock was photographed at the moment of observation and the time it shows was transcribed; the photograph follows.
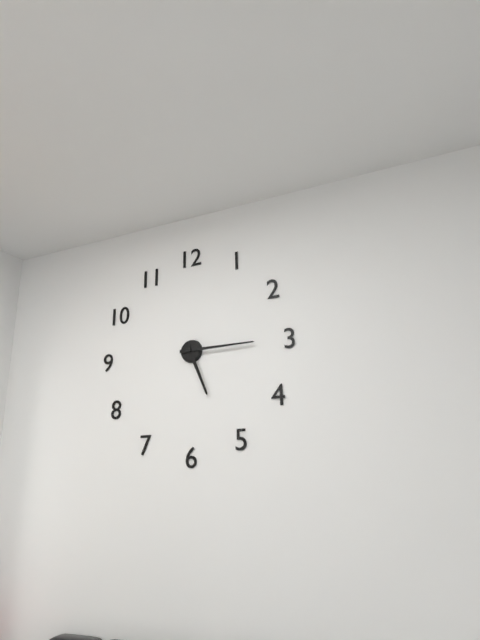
5:15
